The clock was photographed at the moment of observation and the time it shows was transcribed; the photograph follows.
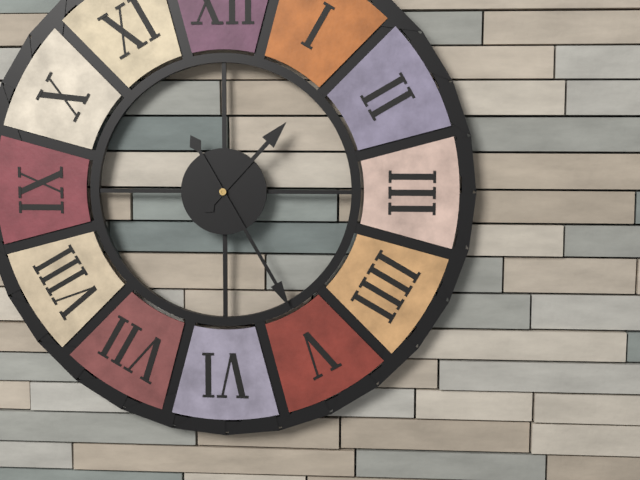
1:25
